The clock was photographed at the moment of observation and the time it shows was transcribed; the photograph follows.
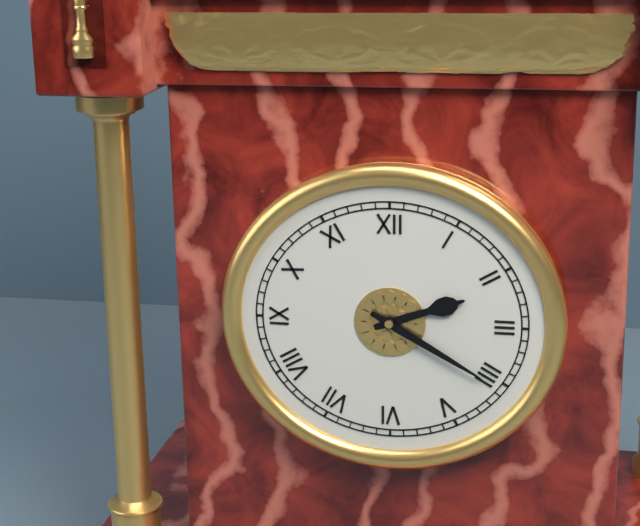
2:20
